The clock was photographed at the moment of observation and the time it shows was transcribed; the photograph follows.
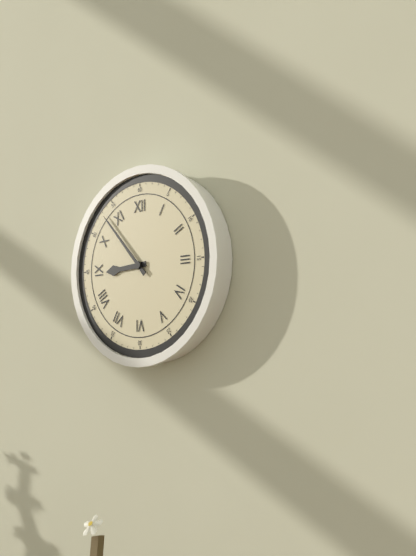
8:53
